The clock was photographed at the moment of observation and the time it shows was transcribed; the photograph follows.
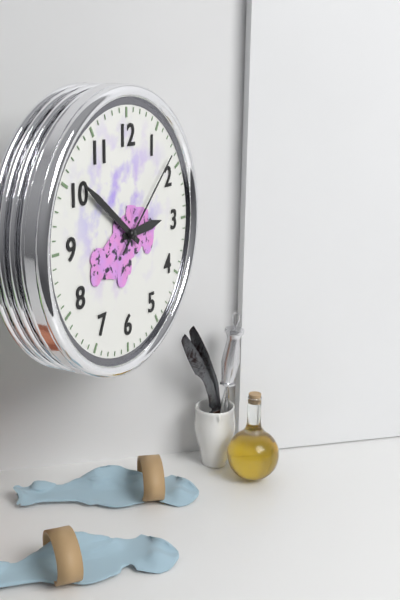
2:51:08
